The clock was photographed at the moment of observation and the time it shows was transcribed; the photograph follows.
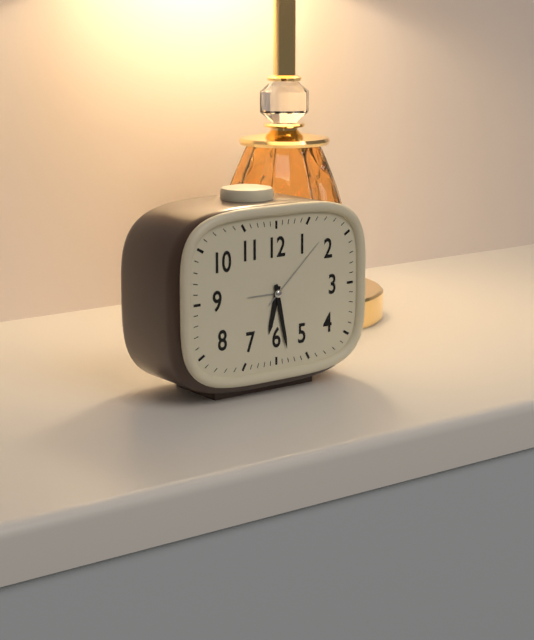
6:28:08
